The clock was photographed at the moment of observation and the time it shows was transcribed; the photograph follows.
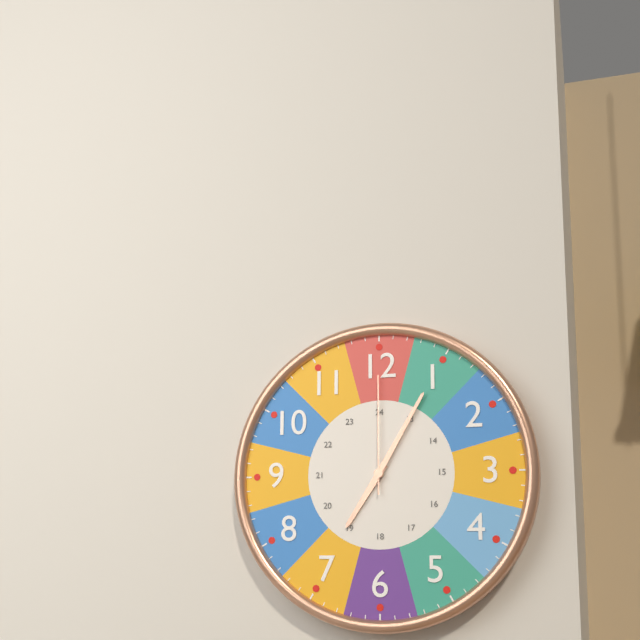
7:05:00
